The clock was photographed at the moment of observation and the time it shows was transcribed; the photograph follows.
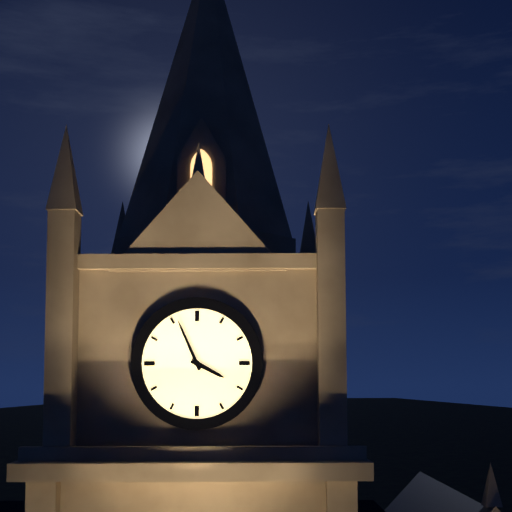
3:56
